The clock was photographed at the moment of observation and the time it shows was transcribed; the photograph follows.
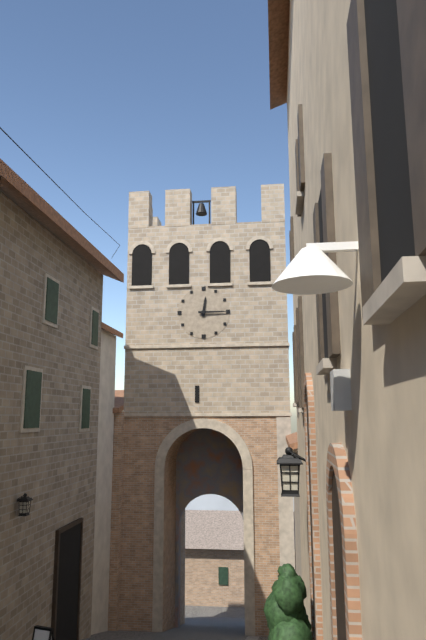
12:15
